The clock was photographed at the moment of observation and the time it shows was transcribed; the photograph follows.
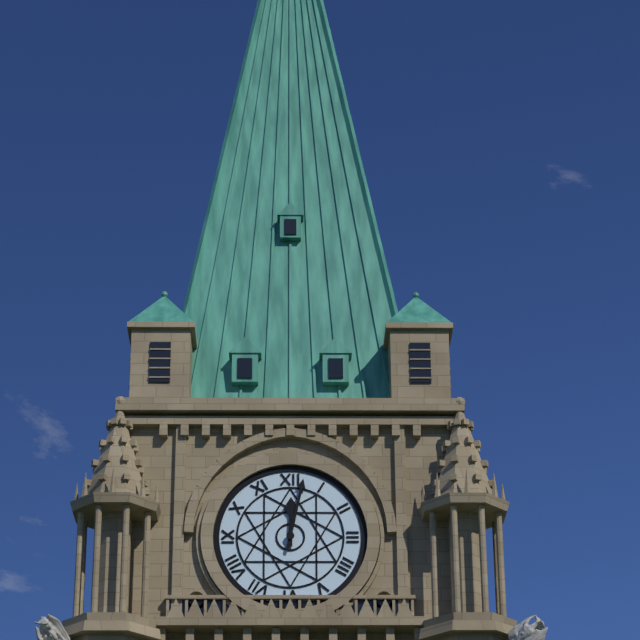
12:02
